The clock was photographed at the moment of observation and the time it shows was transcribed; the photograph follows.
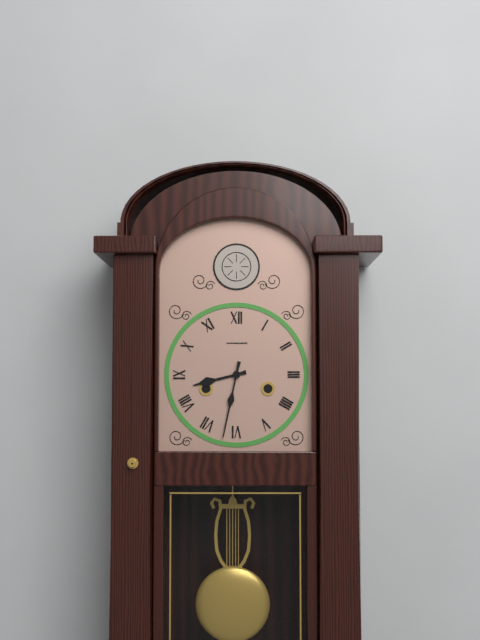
8:32
